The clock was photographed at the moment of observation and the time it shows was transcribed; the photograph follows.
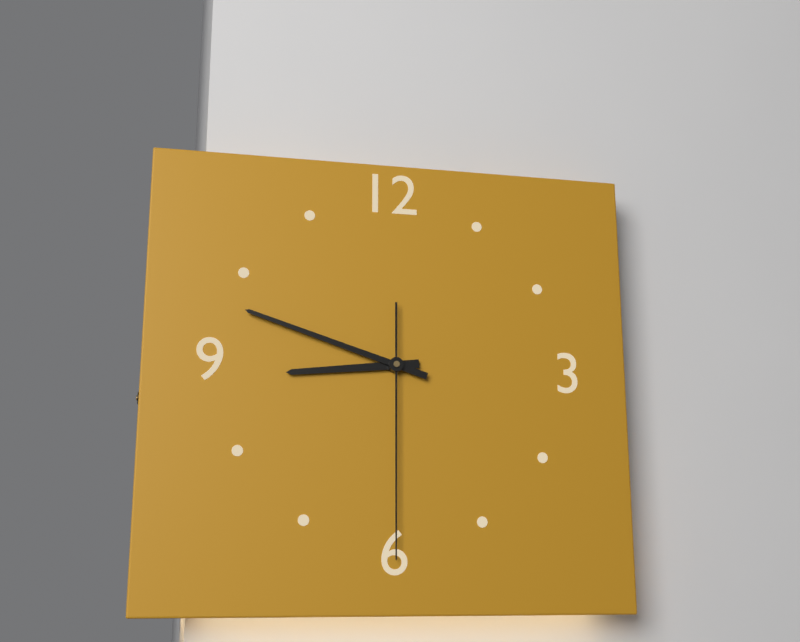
8:48:30
